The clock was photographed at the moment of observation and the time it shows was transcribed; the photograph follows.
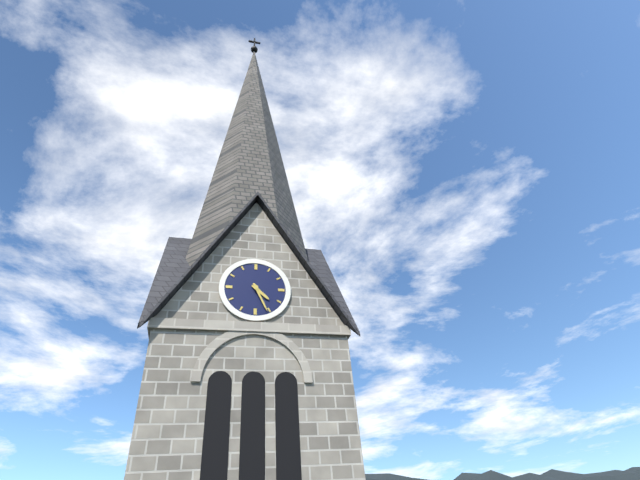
4:26
